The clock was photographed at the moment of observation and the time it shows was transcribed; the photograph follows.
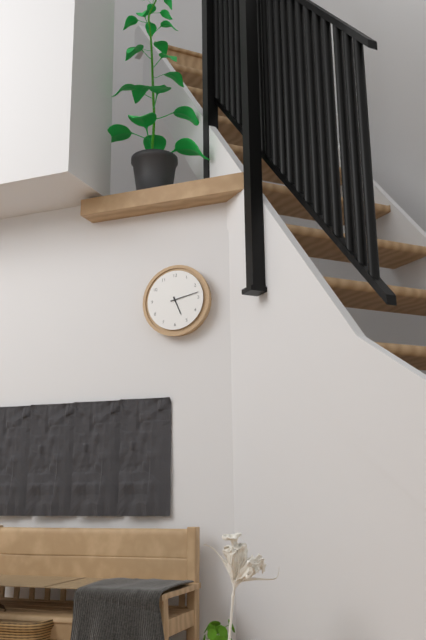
5:13
